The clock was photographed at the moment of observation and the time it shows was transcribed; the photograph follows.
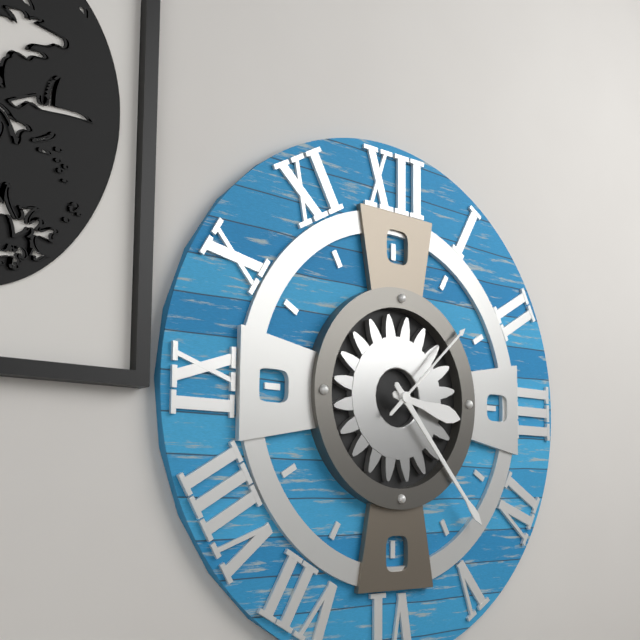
3:23:08
